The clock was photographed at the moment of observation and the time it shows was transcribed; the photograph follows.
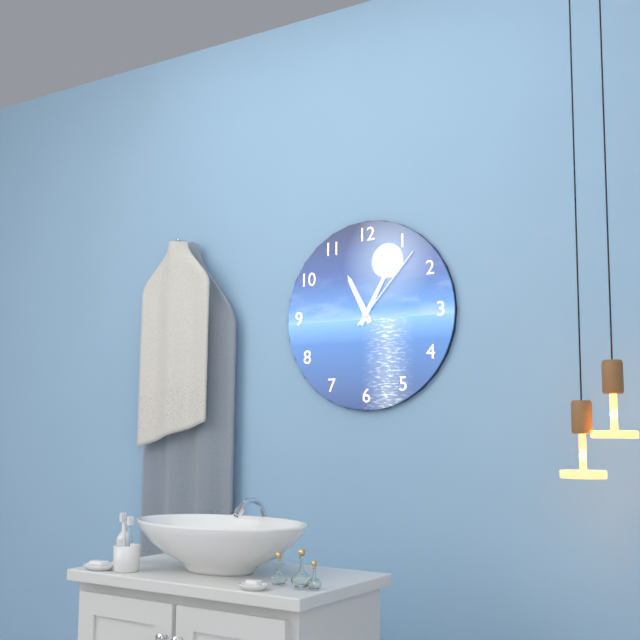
11:05:07
